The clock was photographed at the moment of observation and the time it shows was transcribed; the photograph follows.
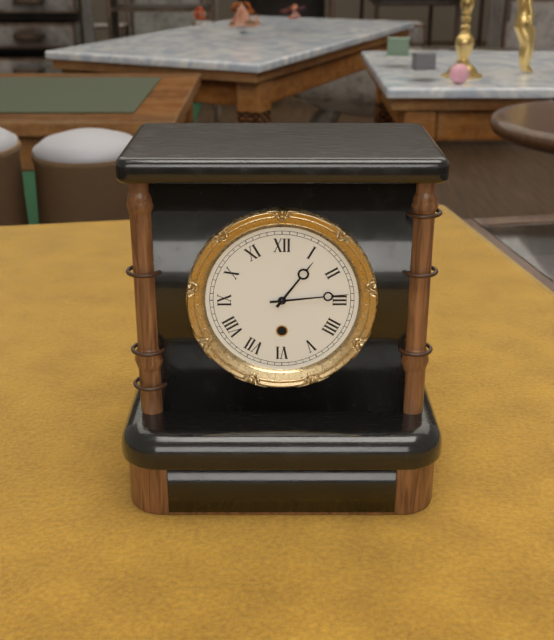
1:14
